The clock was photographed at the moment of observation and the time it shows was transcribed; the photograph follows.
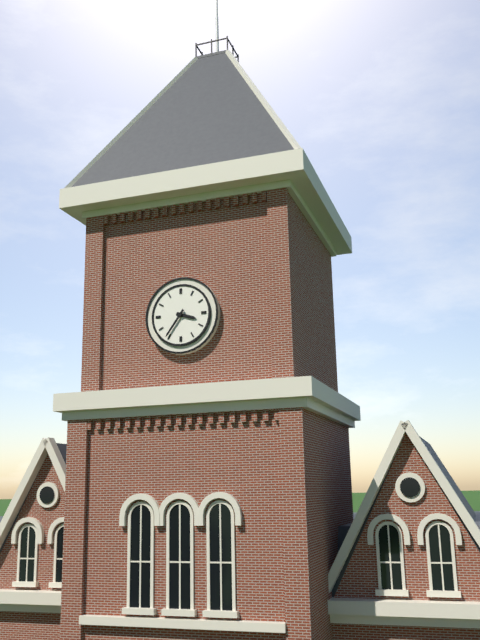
3:36
